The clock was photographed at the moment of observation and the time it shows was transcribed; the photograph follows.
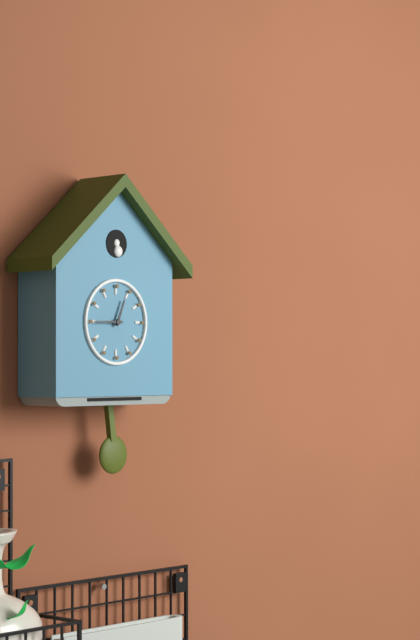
12:45
